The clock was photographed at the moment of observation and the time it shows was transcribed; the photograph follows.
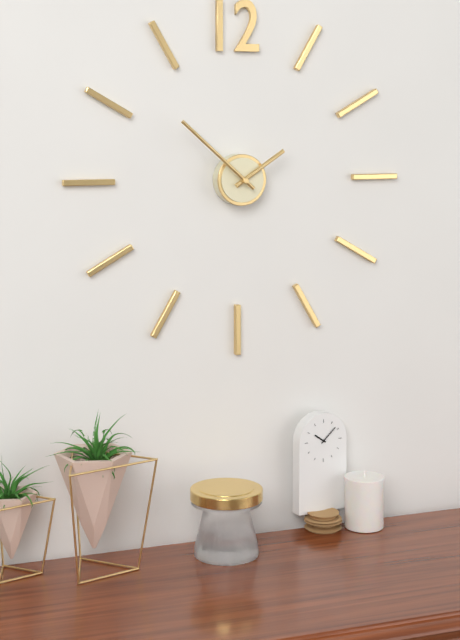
1:52
